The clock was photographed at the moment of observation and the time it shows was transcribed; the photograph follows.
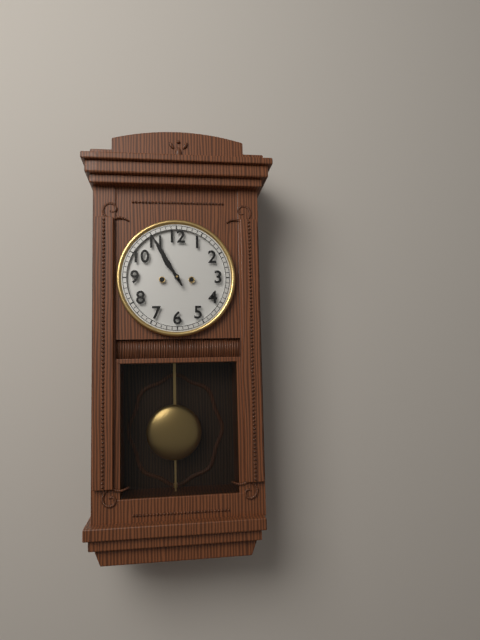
10:55
